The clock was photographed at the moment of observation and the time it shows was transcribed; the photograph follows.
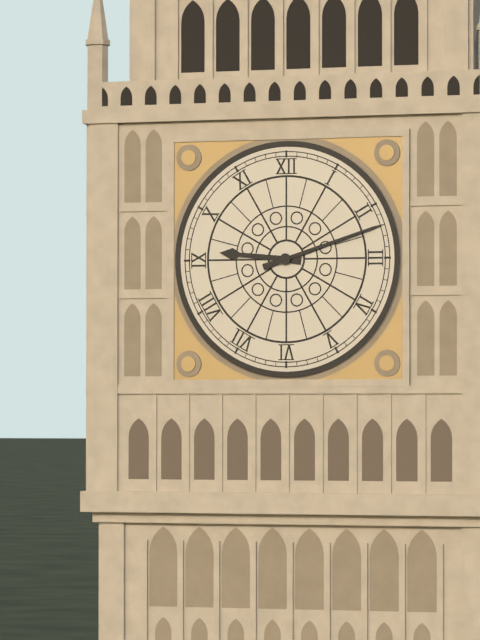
9:12
